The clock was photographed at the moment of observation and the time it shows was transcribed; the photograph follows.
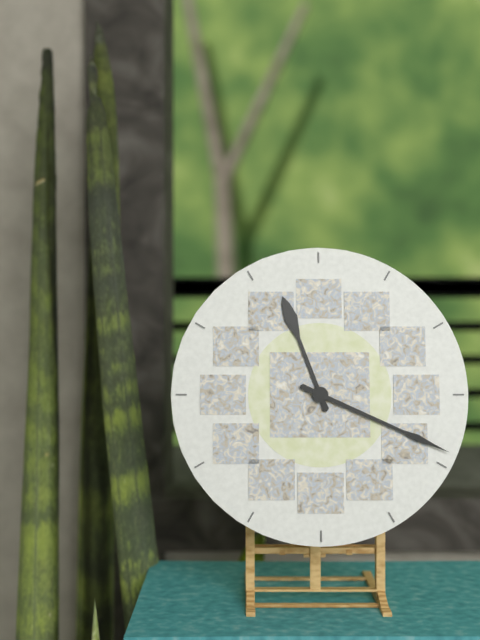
11:19
